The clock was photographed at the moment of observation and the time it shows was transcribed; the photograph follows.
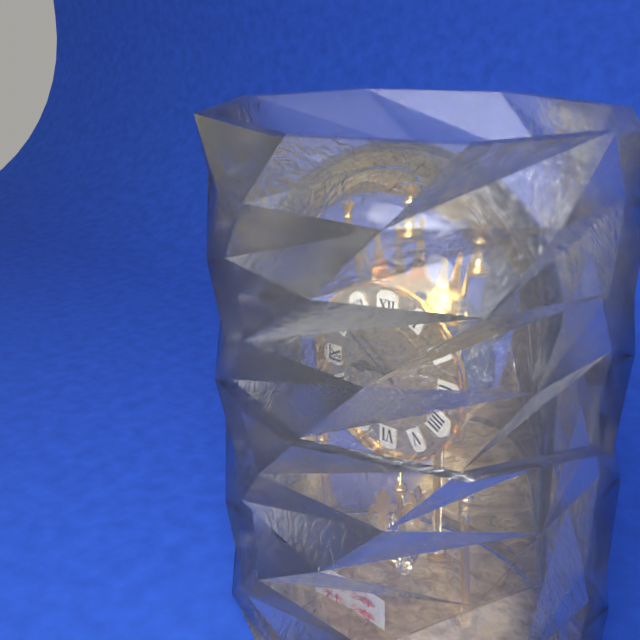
8:51
